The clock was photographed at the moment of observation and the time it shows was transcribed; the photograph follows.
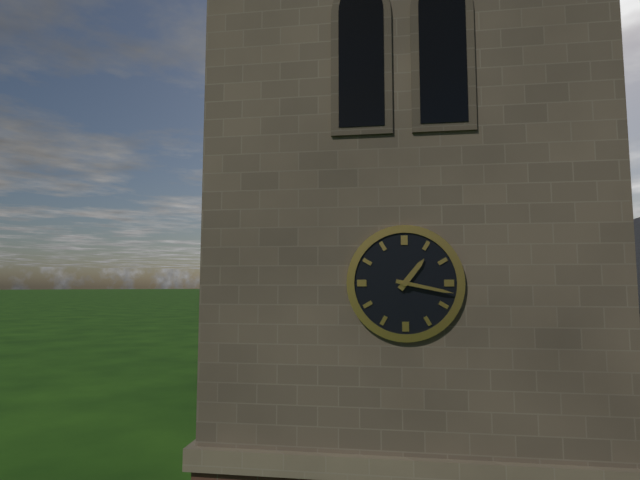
1:17
